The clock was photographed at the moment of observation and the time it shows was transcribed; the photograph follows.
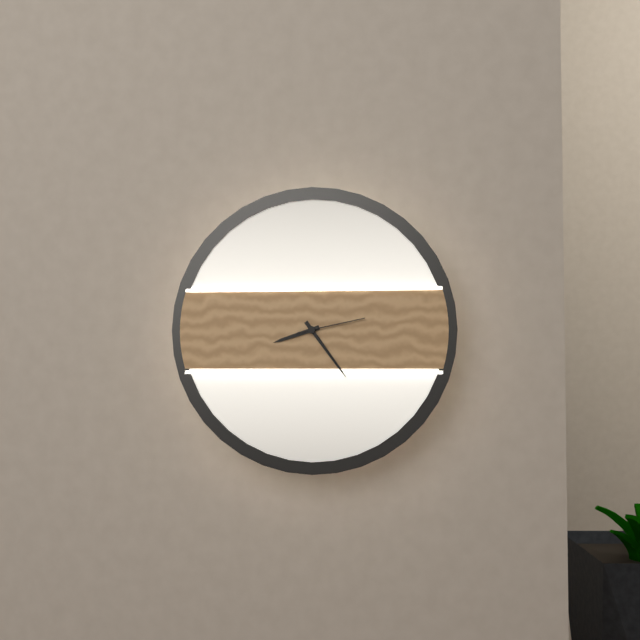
8:24:13
